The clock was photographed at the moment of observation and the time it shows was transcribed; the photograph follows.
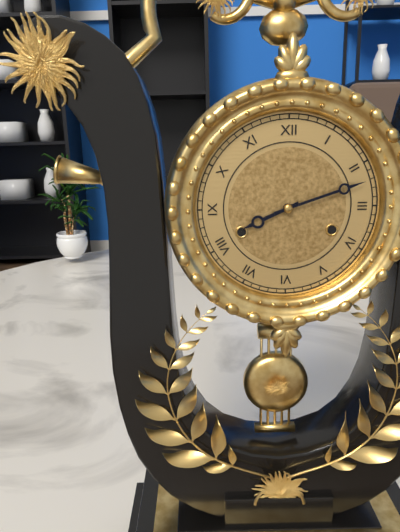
8:12
